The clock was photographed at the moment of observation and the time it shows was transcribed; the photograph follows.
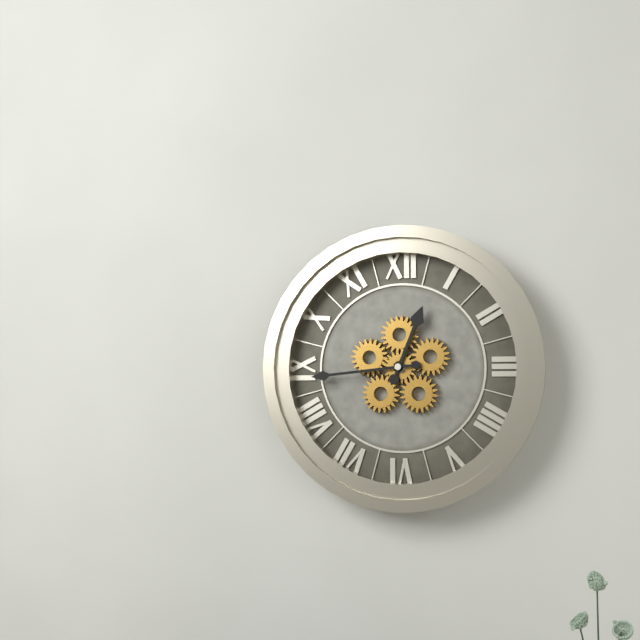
12:44
